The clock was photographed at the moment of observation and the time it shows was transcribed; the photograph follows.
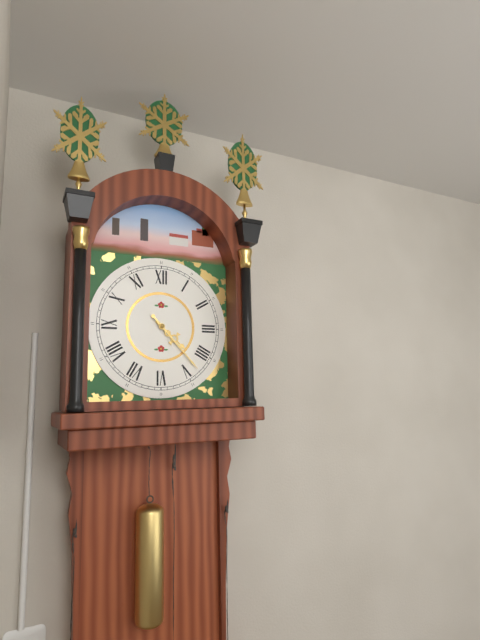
4:23
